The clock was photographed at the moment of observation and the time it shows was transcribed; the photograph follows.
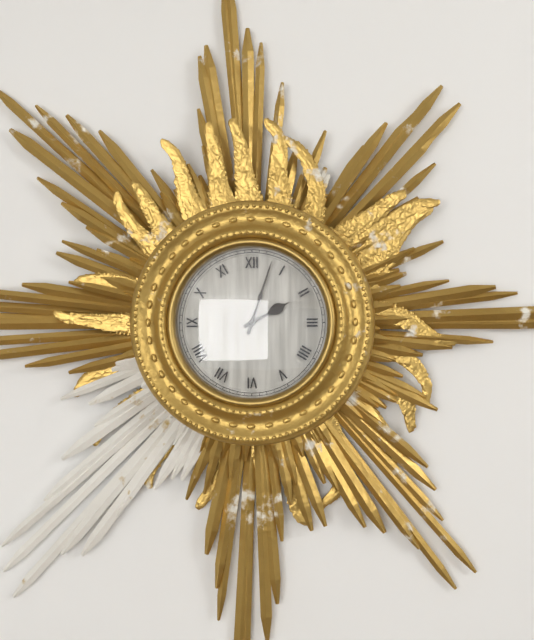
2:03
